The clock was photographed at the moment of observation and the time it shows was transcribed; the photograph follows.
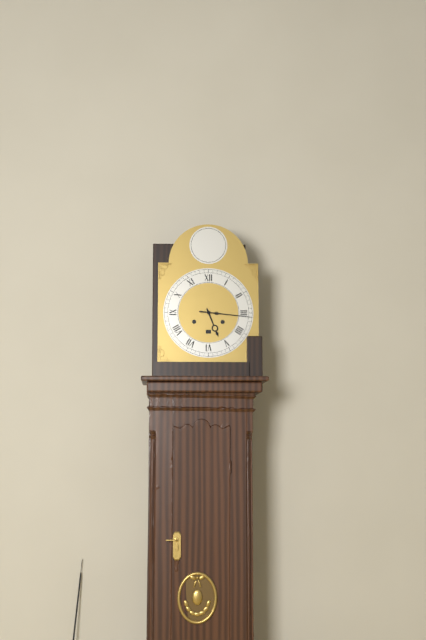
5:16
